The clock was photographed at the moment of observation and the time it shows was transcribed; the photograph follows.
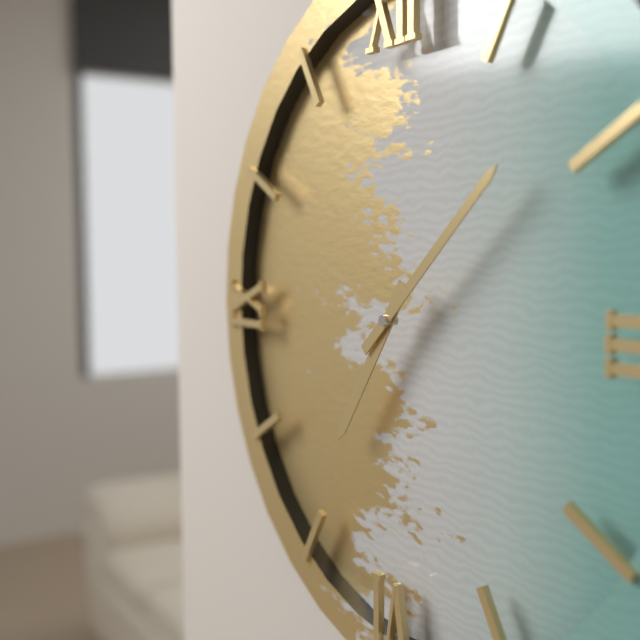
7:08
